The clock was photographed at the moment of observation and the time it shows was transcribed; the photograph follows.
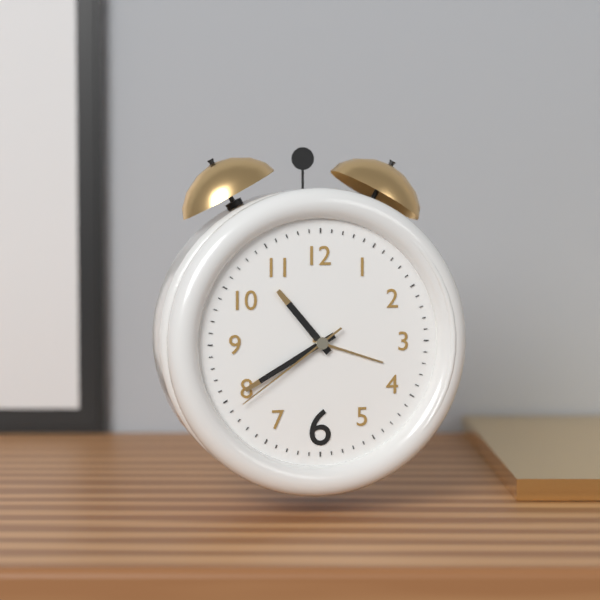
10:40:39
